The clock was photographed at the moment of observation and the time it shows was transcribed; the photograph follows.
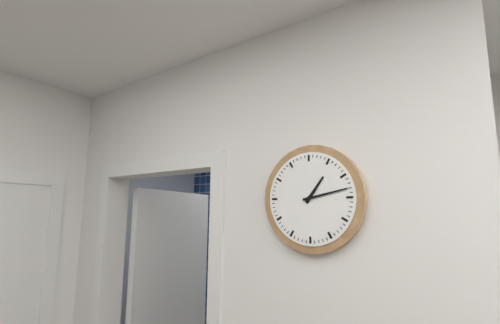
1:13
